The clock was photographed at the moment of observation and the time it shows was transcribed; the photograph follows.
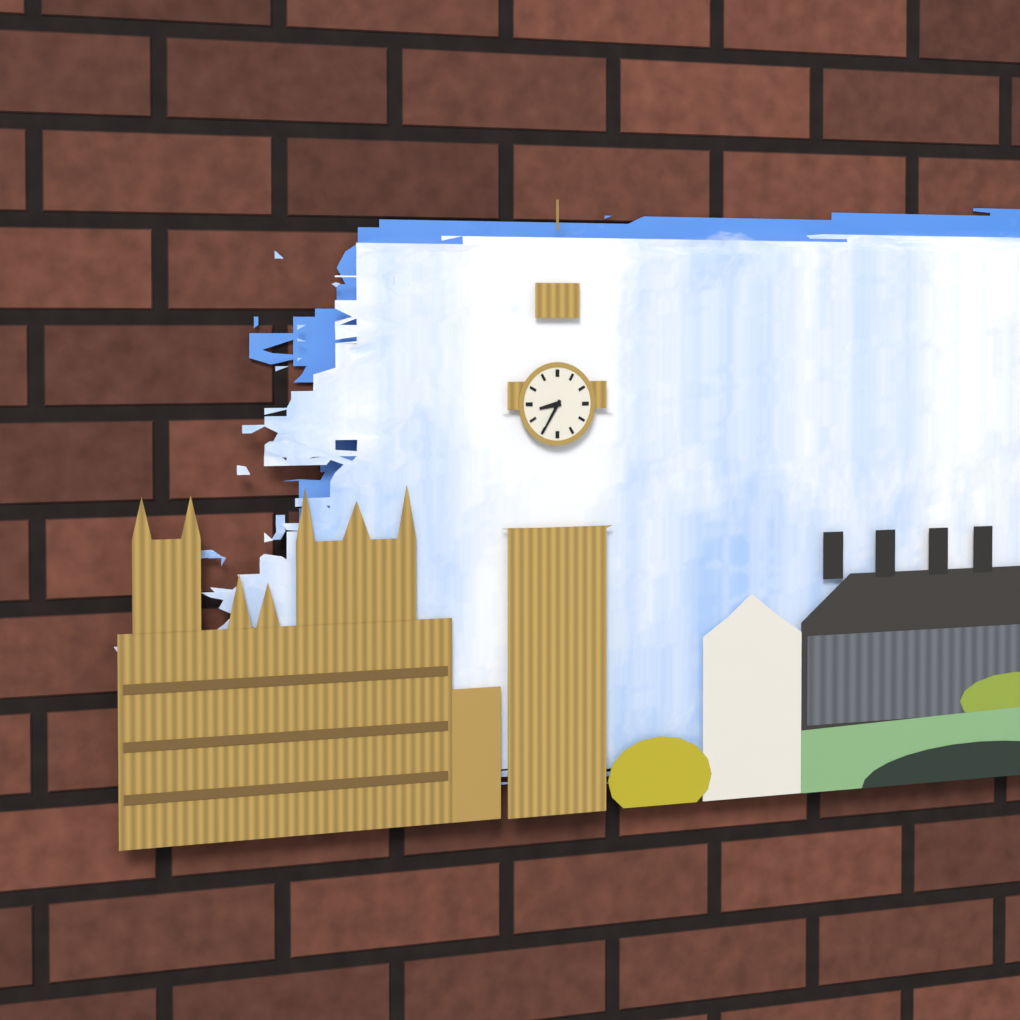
8:35
